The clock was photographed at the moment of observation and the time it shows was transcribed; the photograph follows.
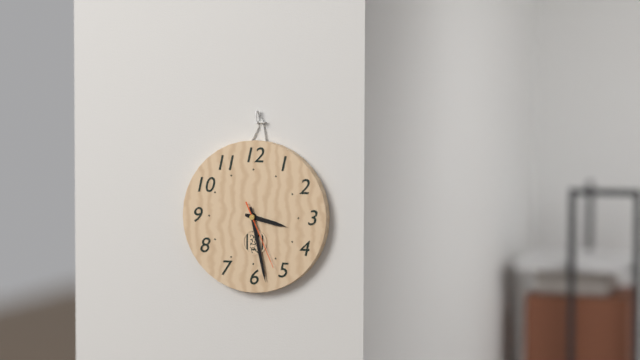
3:28:26
